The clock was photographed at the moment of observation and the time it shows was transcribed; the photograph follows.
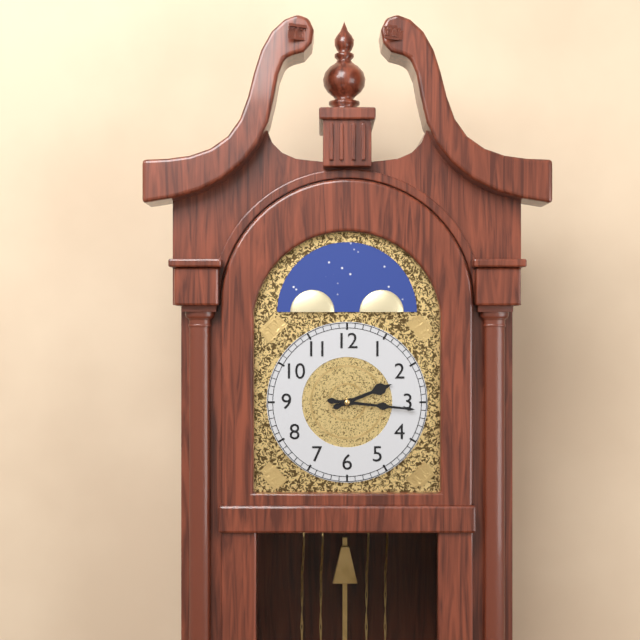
2:16
